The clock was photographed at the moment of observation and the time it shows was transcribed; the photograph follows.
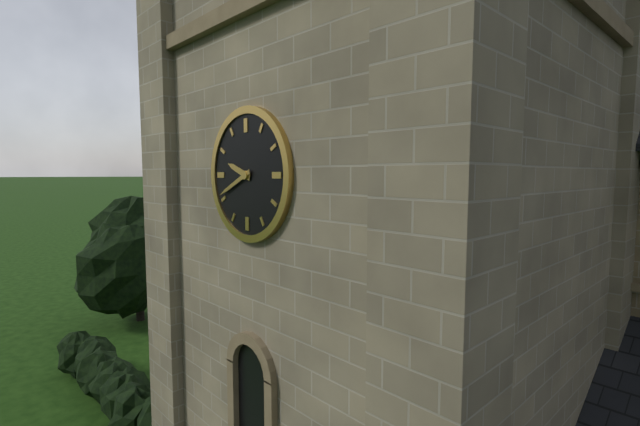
9:41
